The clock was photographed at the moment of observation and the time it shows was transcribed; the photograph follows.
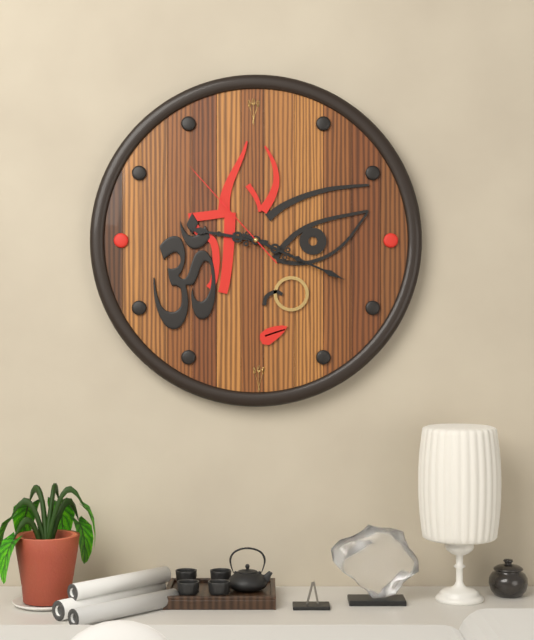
9:19:53
